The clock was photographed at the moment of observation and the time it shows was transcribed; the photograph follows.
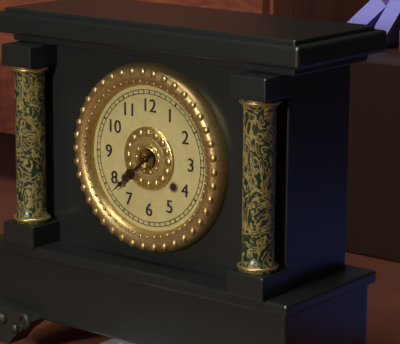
7:38
